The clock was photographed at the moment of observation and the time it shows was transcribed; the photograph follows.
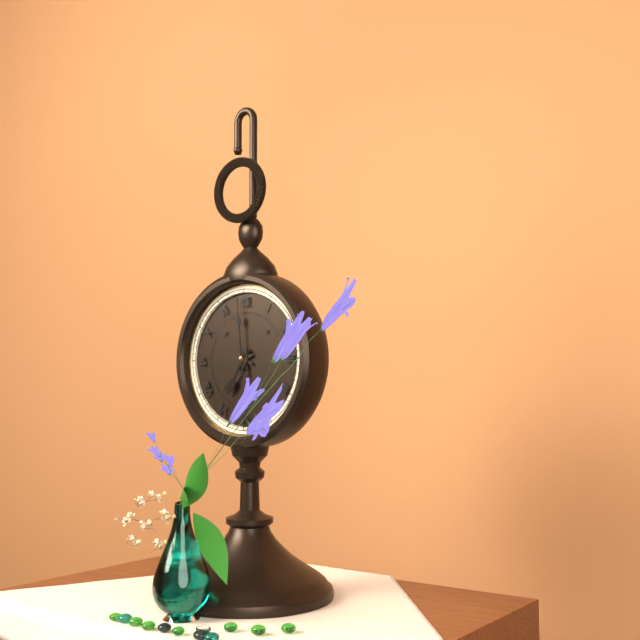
6:59
